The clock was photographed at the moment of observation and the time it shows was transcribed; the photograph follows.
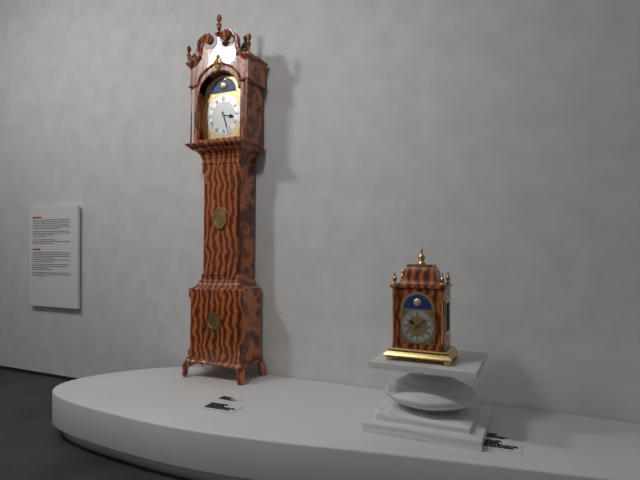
3:27
